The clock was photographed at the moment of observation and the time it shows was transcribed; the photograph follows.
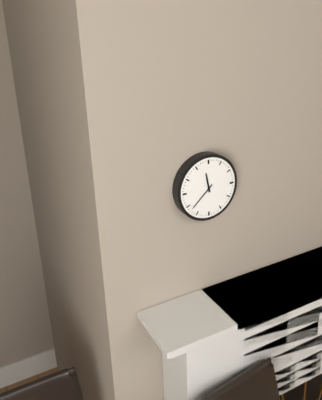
11:38
